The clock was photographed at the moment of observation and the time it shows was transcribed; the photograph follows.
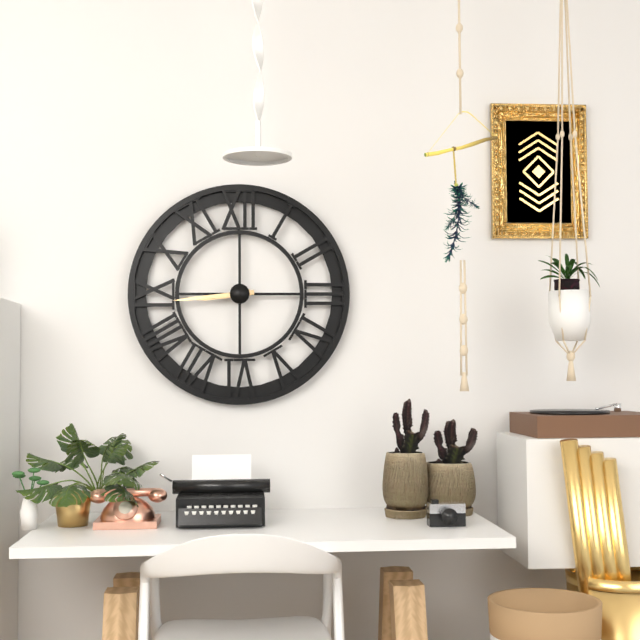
8:44
